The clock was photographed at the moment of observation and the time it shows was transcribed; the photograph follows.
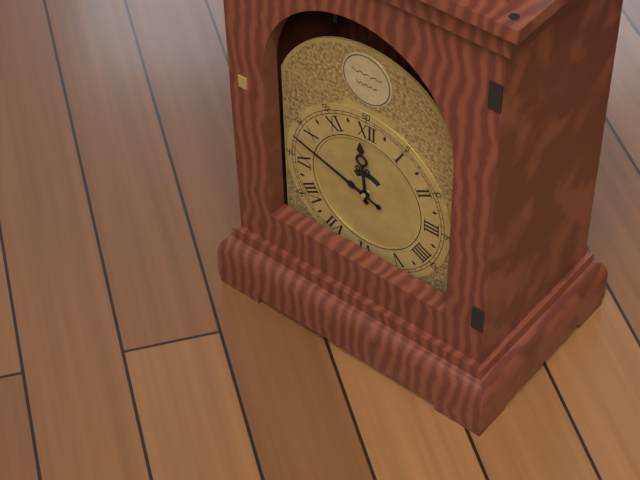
11:48
